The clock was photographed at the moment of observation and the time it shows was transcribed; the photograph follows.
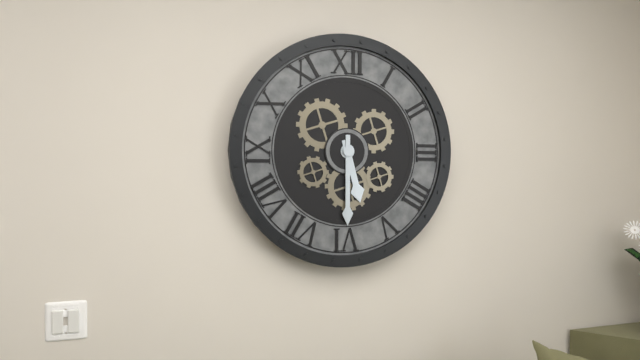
5:30
